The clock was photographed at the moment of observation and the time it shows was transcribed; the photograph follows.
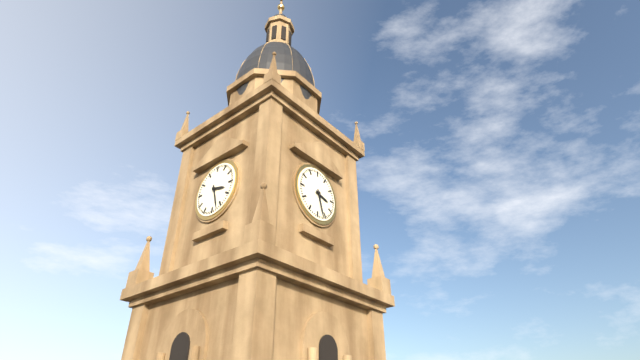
3:27
